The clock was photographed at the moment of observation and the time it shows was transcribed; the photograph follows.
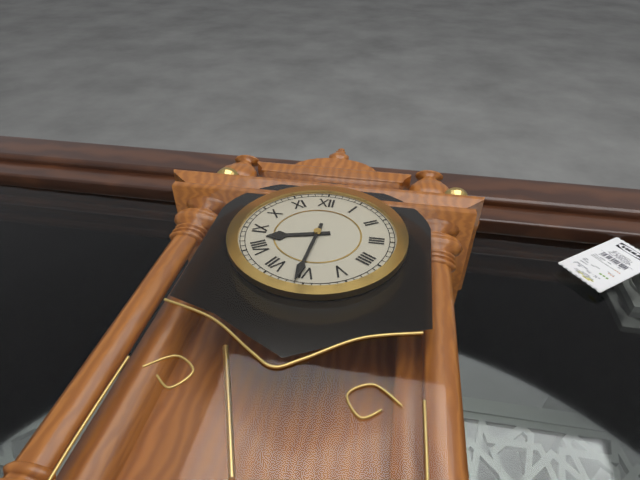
8:31
